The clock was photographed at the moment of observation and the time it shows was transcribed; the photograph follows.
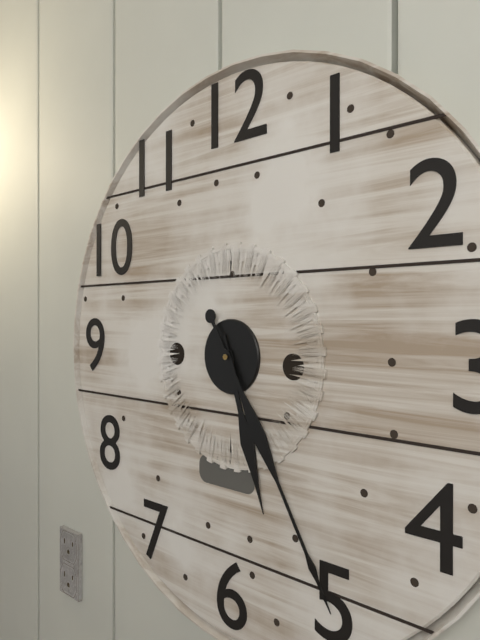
5:25
